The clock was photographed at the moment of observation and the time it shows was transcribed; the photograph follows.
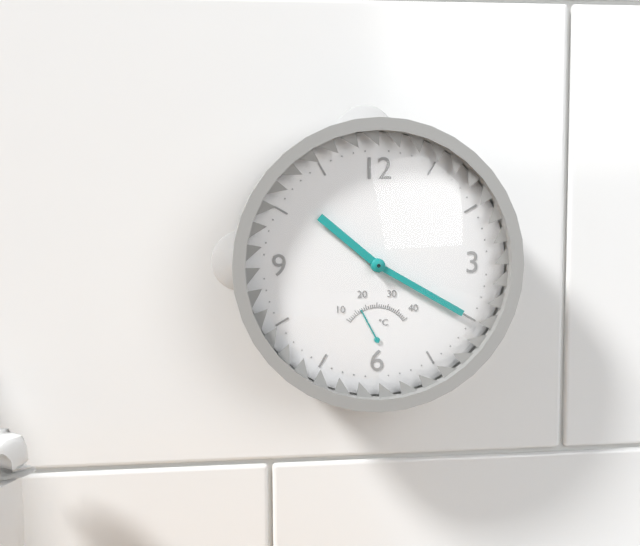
10:20
